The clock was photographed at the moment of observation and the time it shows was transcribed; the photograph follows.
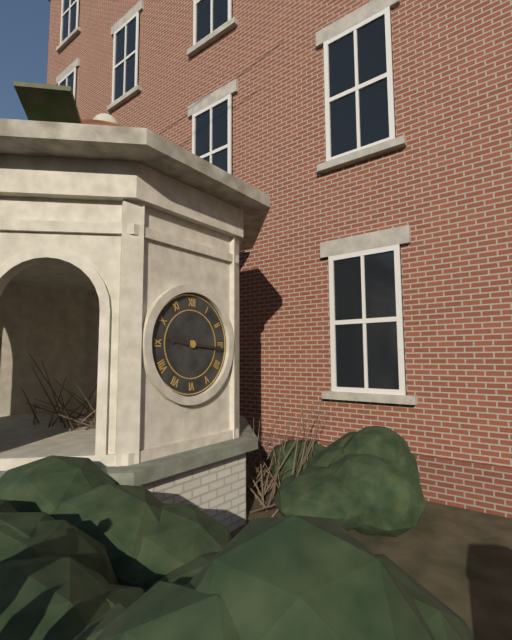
9:16
